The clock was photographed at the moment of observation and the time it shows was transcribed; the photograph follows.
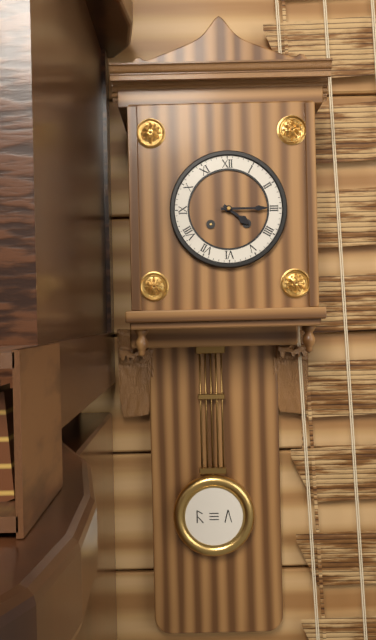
4:15
